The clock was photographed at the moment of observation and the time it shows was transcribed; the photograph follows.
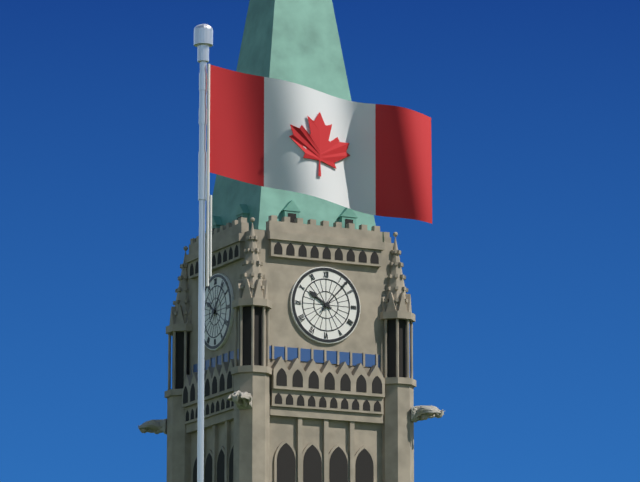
10:07
